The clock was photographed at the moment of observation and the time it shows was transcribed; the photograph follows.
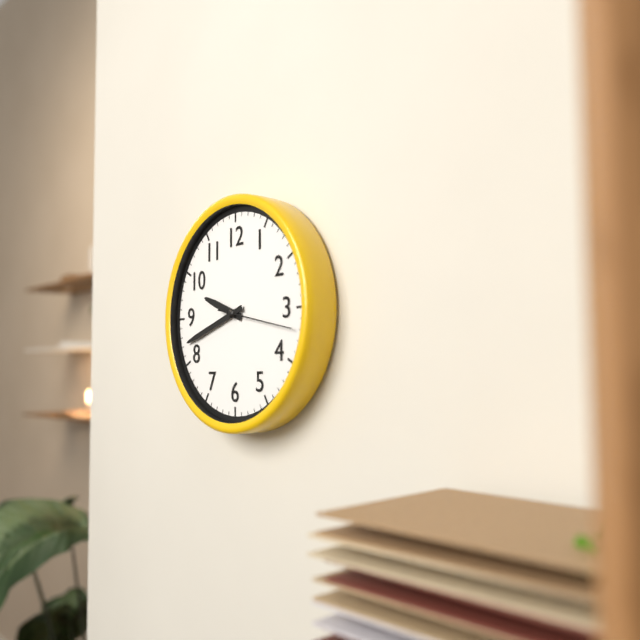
9:42
